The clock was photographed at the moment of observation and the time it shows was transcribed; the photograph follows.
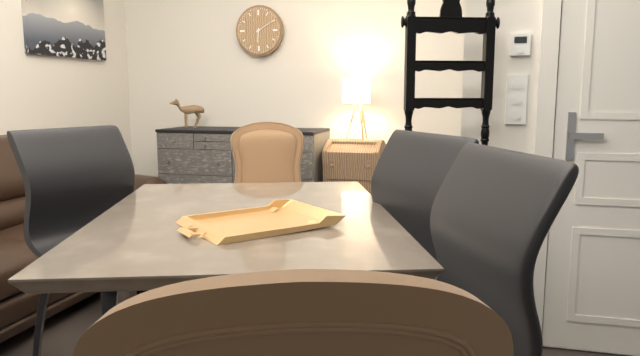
6:10
